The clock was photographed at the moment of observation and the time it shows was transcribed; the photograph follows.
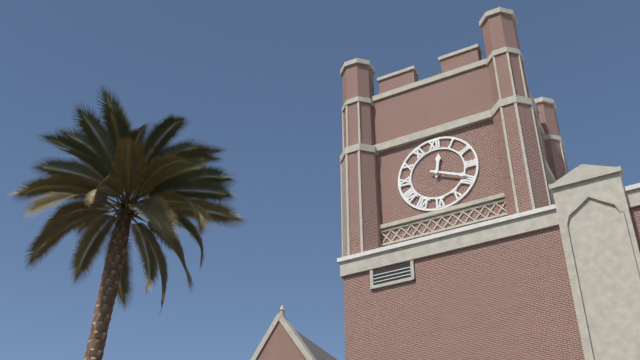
12:19
